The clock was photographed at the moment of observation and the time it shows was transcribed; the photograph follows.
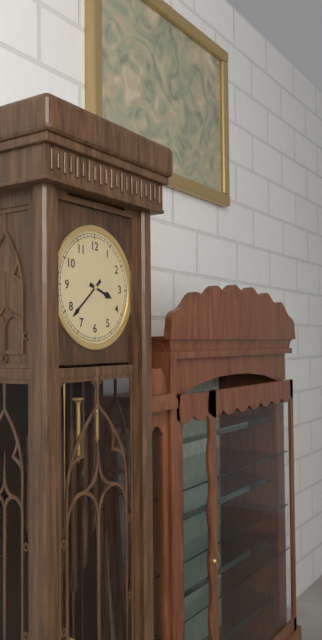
3:38
